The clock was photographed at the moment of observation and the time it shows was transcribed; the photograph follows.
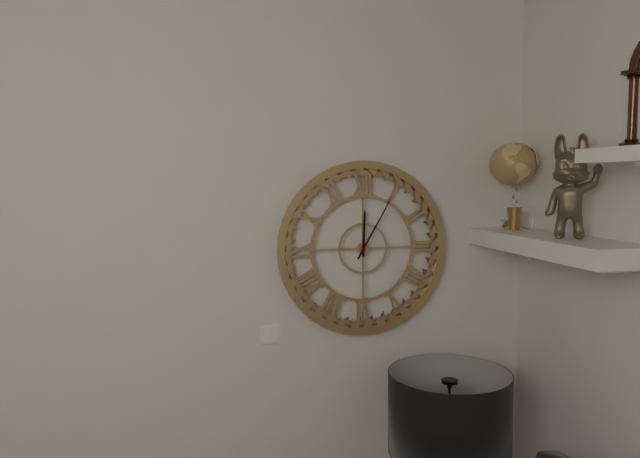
12:05
